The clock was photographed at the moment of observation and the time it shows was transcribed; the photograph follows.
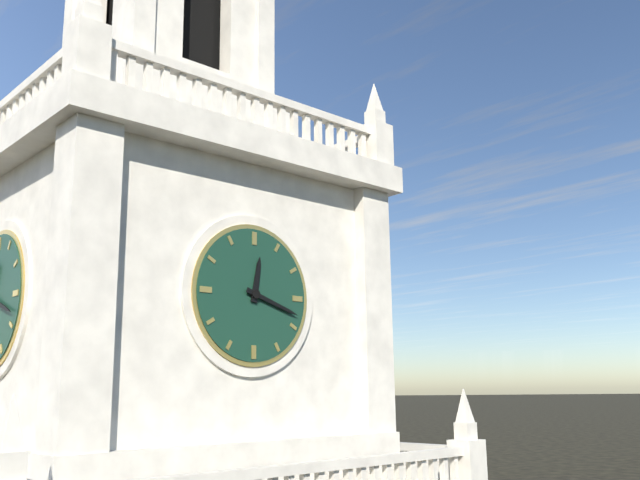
12:18
